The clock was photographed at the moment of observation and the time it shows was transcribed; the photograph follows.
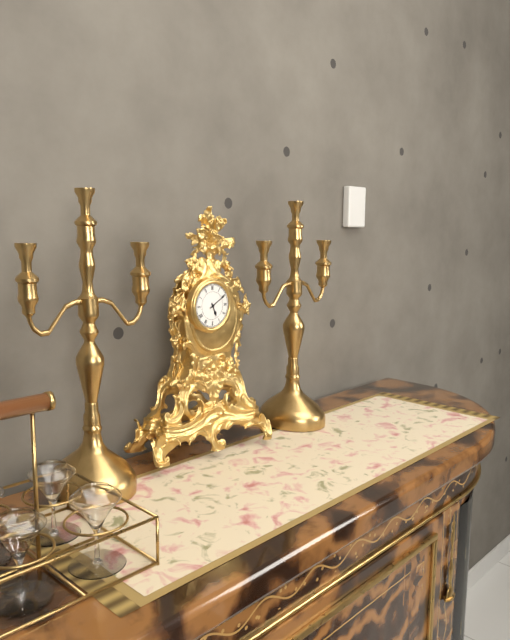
5:10
